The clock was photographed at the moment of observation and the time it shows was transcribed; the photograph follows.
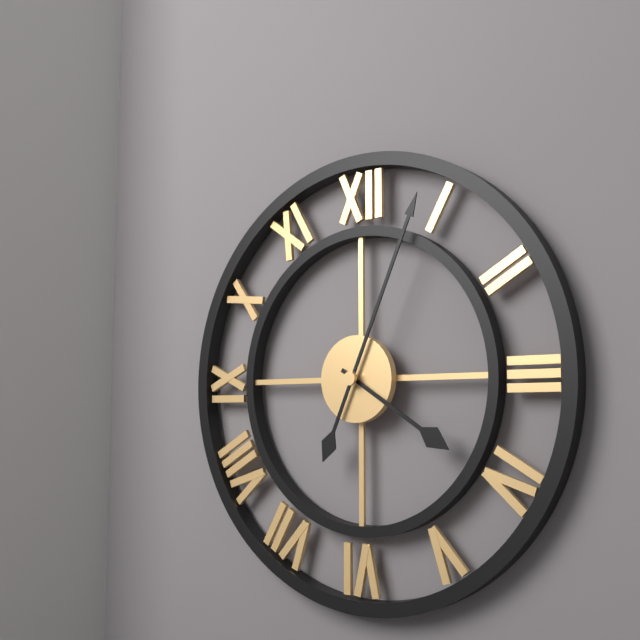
4:04
